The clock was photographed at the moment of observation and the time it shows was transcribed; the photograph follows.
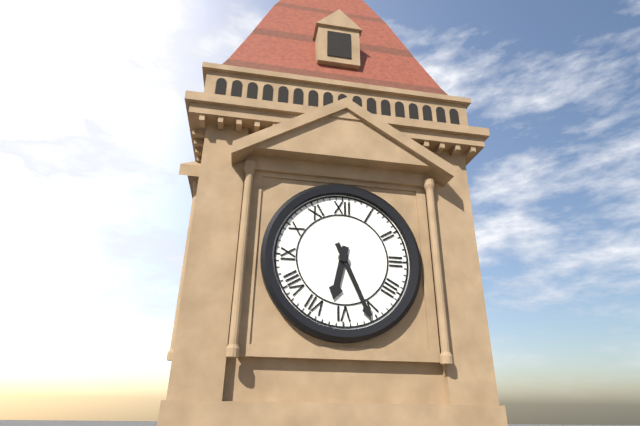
6:26
